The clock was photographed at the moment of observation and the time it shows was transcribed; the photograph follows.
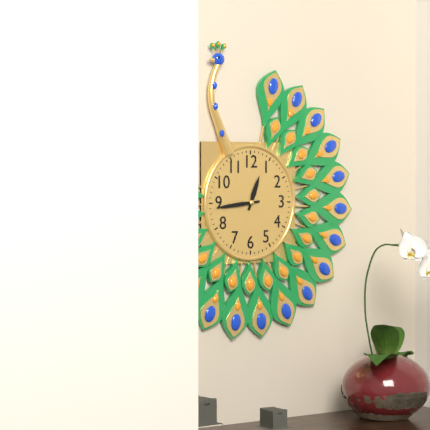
12:44
